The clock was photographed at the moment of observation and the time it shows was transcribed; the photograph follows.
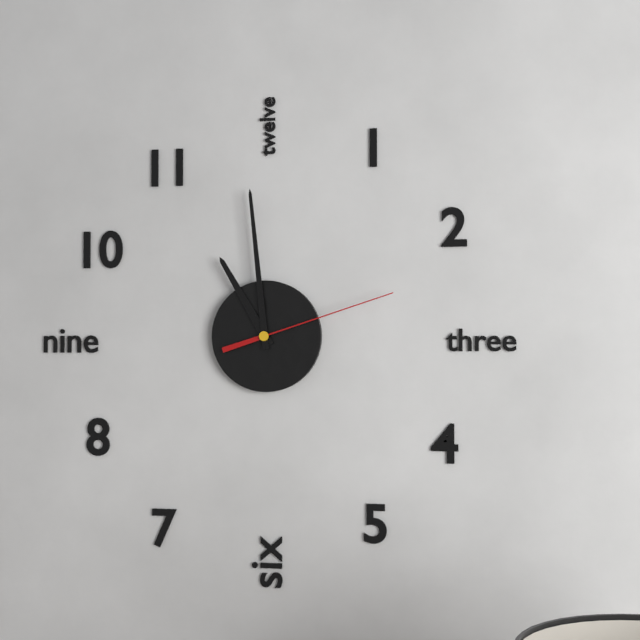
10:59:12
